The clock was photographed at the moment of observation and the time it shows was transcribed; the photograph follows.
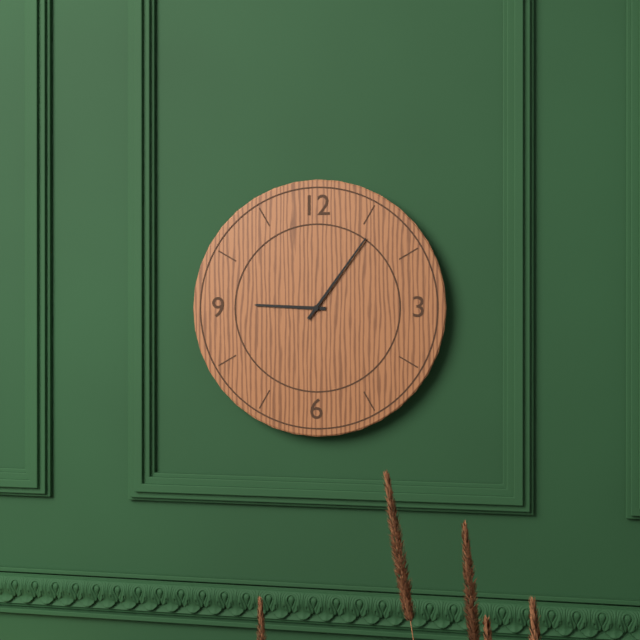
9:06
